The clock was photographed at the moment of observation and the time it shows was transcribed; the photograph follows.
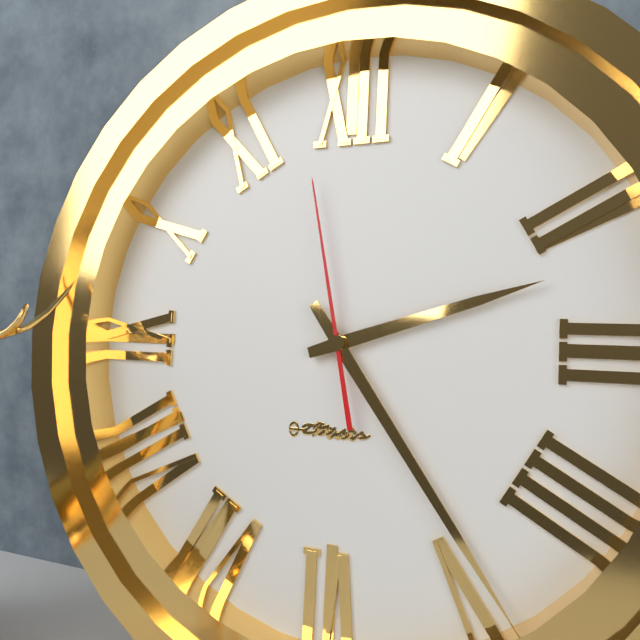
2:24:58
